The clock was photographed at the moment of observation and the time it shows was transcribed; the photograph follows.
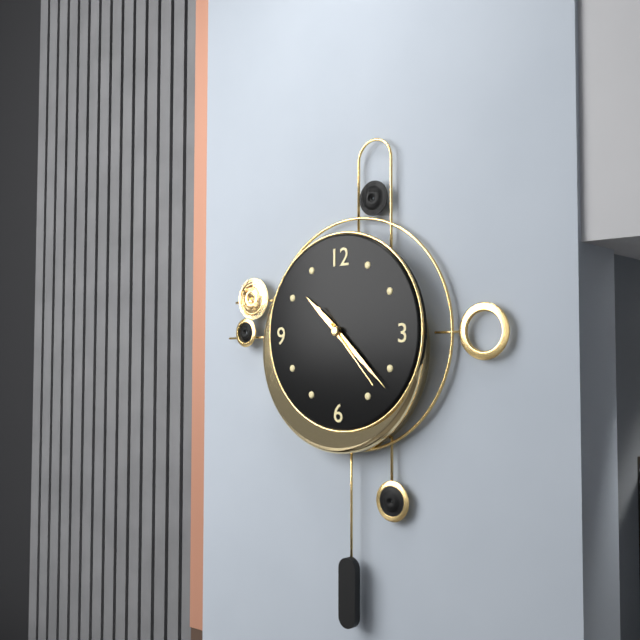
10:22:23
